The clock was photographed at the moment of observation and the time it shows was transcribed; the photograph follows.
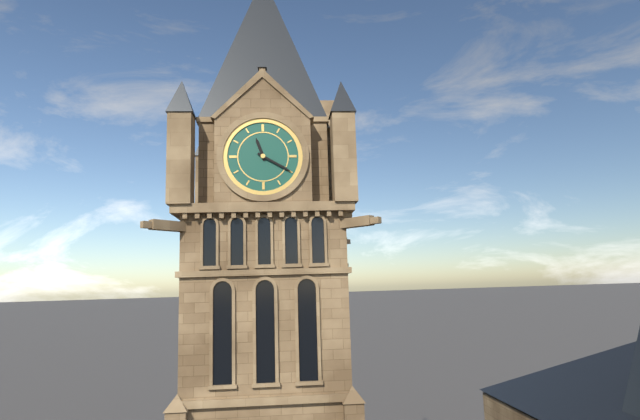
11:20
